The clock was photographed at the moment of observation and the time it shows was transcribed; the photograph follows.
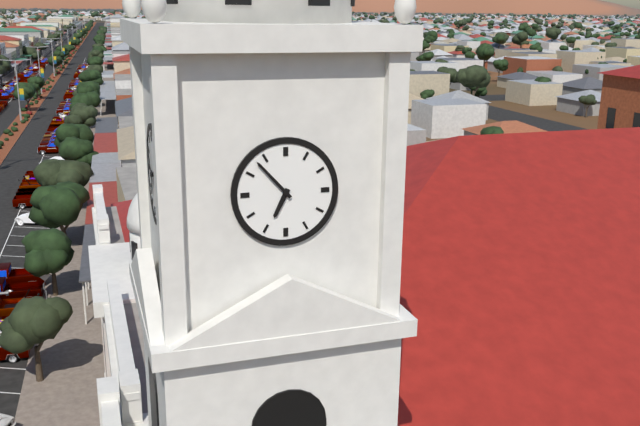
6:53
